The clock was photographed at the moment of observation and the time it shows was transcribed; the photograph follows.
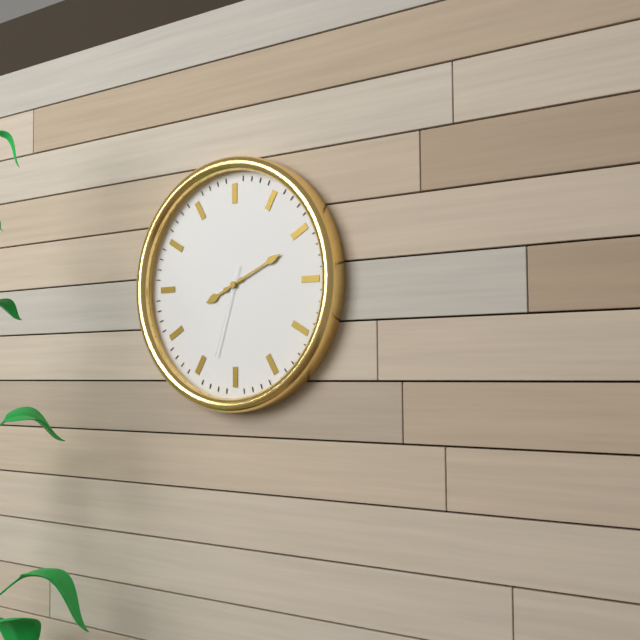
8:11:33
